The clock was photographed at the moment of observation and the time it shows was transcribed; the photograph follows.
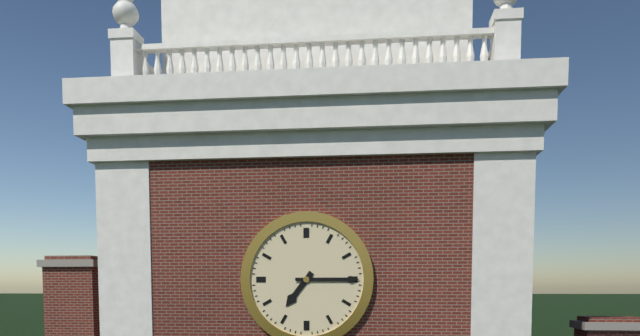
7:15
